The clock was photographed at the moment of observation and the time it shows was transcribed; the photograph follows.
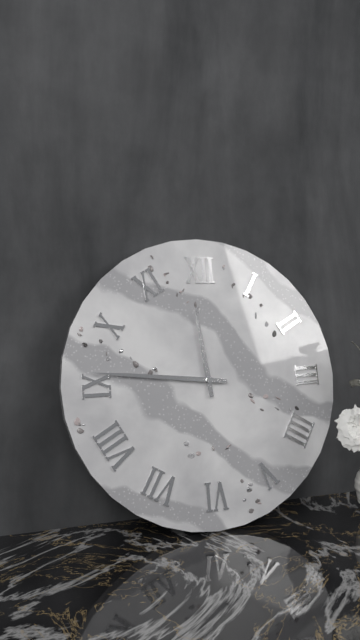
11:46
